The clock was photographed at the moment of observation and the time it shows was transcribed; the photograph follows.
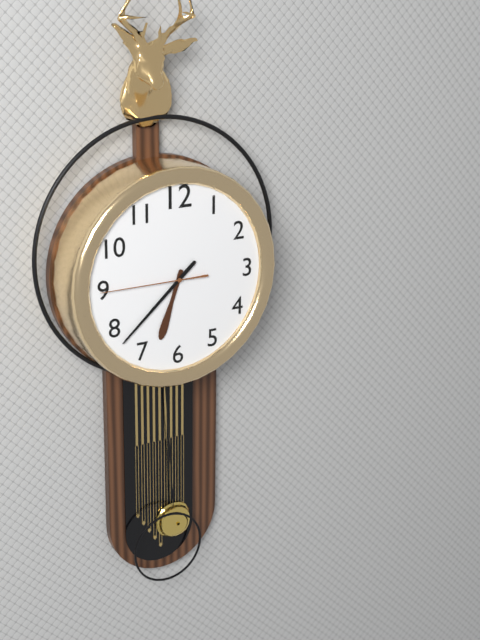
6:38:45
